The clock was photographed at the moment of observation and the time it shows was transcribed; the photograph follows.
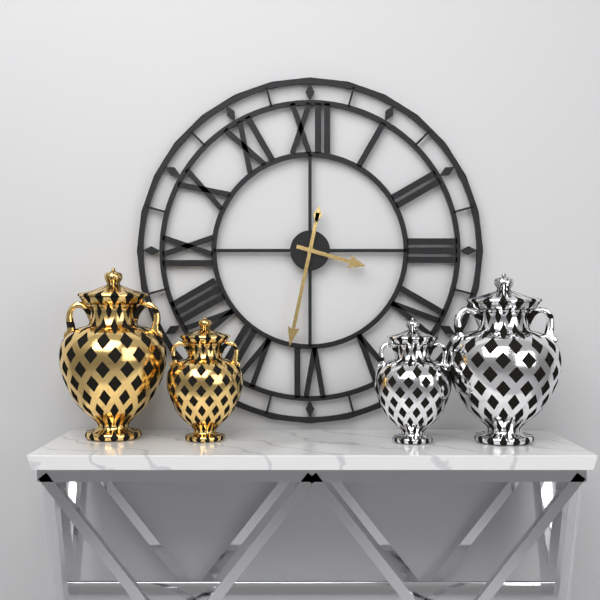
3:32
